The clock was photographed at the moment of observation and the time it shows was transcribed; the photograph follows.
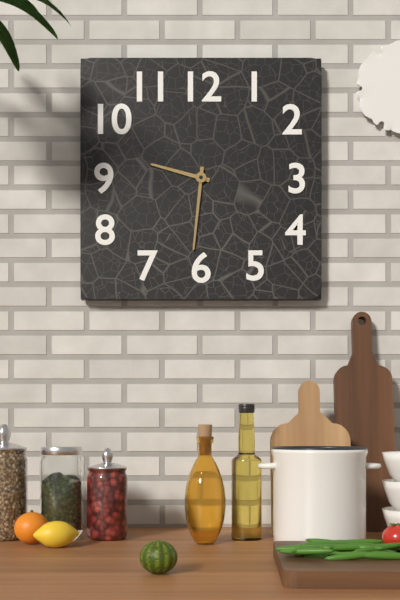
9:31
